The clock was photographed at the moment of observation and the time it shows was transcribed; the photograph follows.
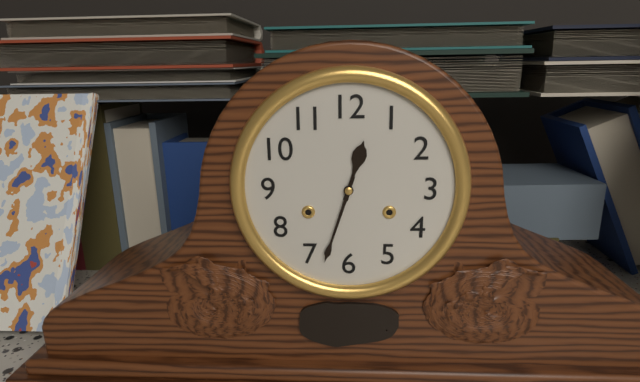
12:33
